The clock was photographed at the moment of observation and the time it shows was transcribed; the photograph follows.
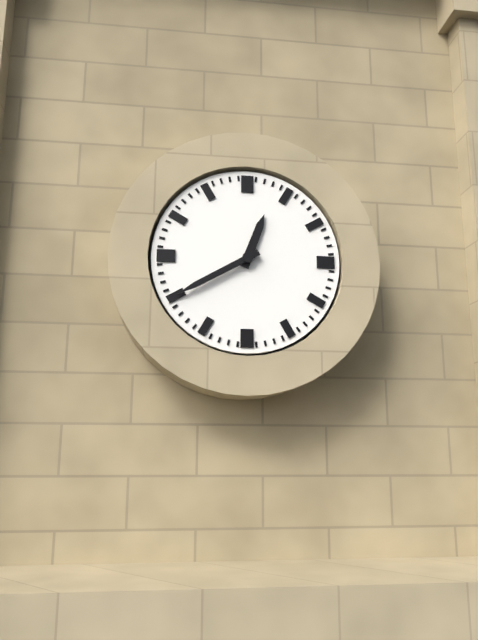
12:40
